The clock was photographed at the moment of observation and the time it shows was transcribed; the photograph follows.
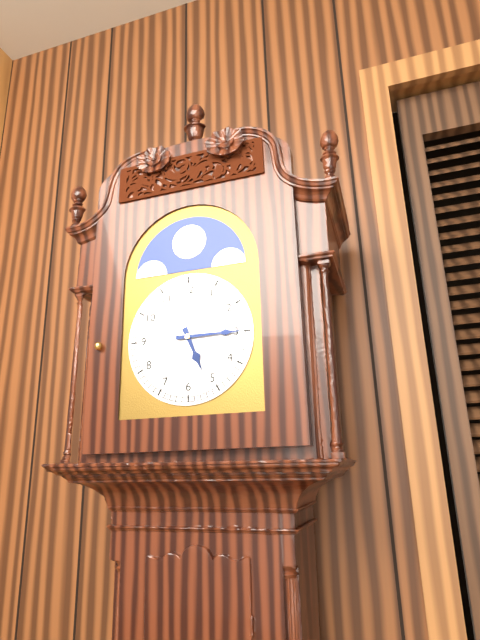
5:15
